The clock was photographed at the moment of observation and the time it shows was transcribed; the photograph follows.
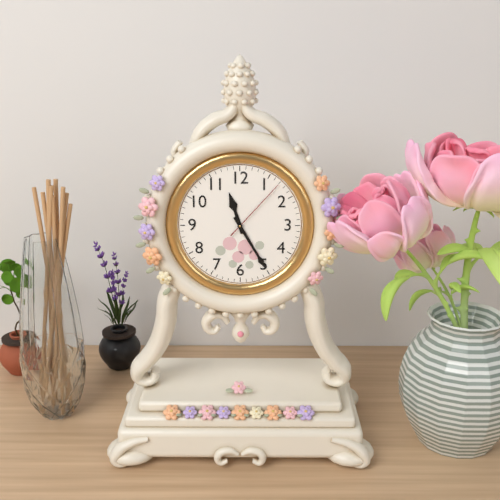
11:25:07
